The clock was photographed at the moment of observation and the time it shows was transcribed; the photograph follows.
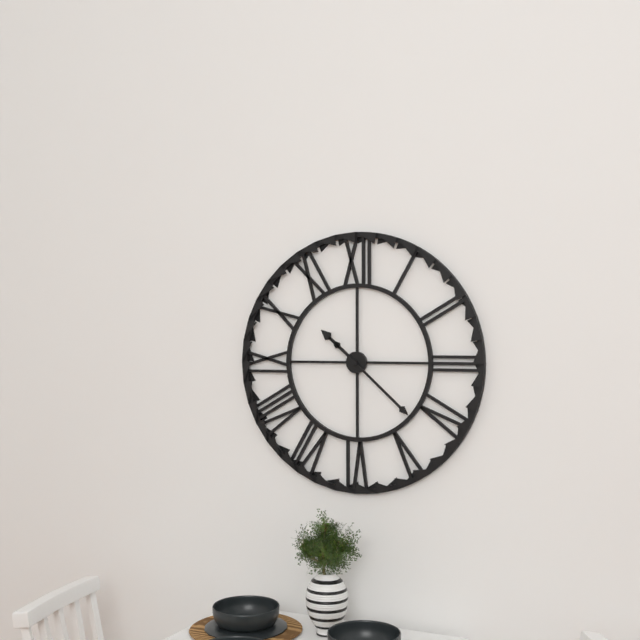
10:22
